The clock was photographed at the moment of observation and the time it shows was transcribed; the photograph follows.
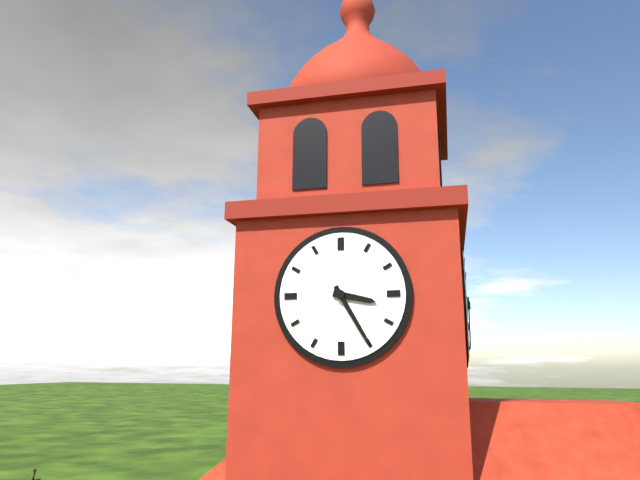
3:25
